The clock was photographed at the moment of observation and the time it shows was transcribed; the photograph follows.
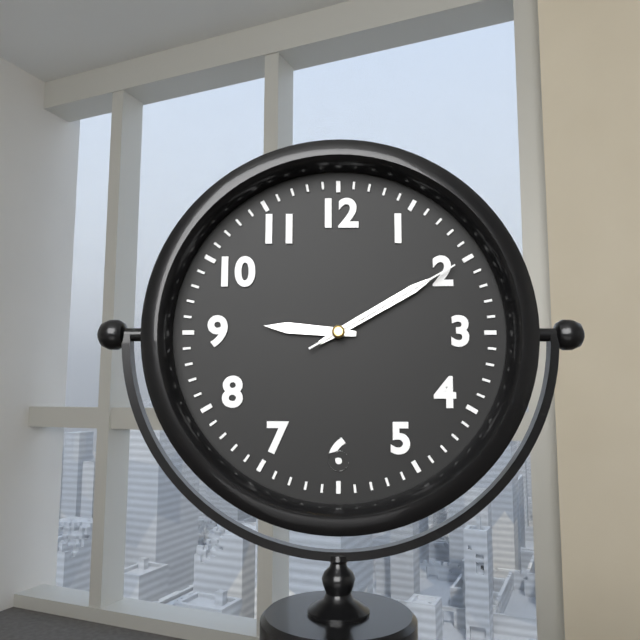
9:10:10
